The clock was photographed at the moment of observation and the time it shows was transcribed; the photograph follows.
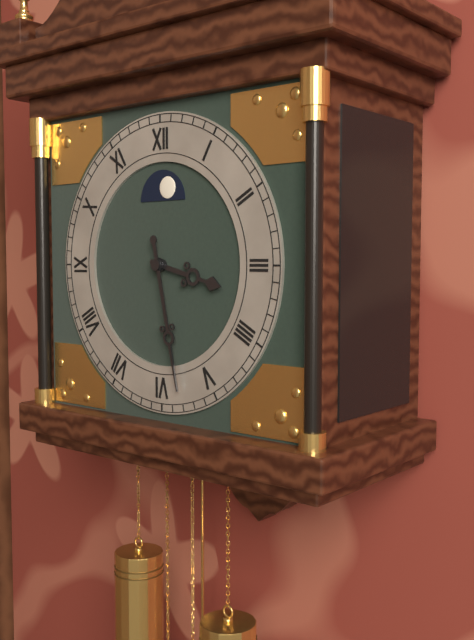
3:28
